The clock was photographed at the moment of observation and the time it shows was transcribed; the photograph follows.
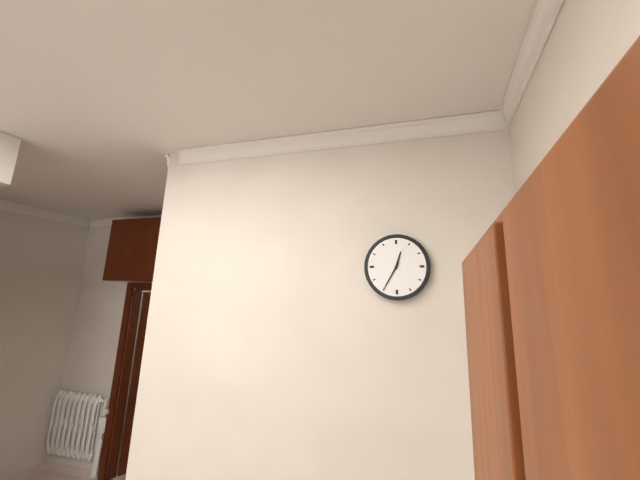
12:35
